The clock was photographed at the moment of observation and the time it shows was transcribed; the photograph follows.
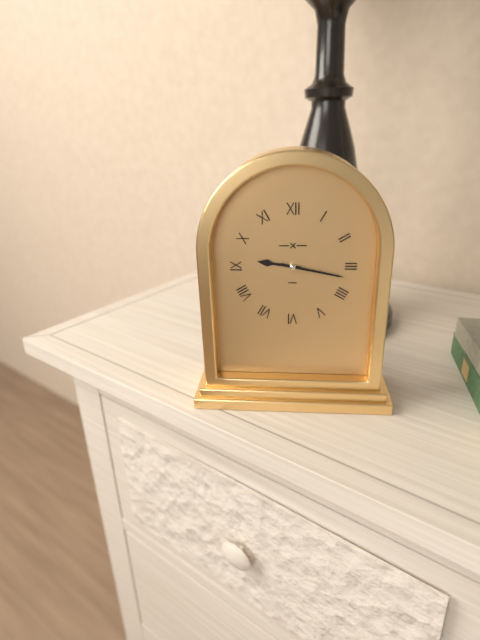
9:17
